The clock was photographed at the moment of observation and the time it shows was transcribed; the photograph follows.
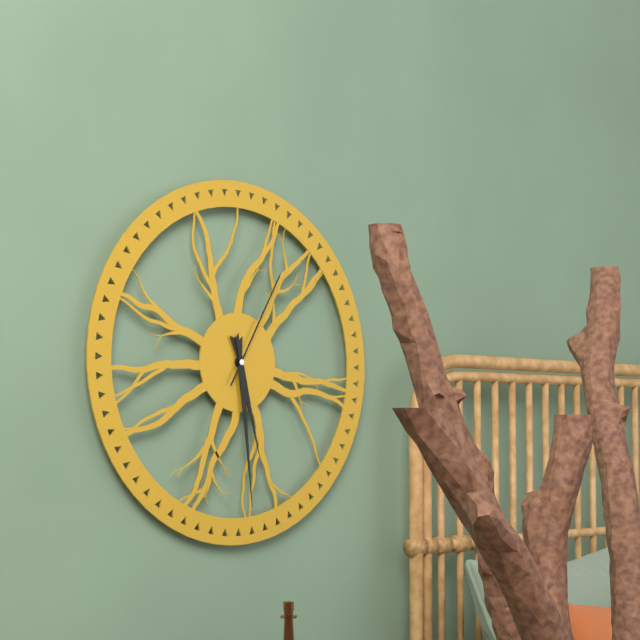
5:29:05
